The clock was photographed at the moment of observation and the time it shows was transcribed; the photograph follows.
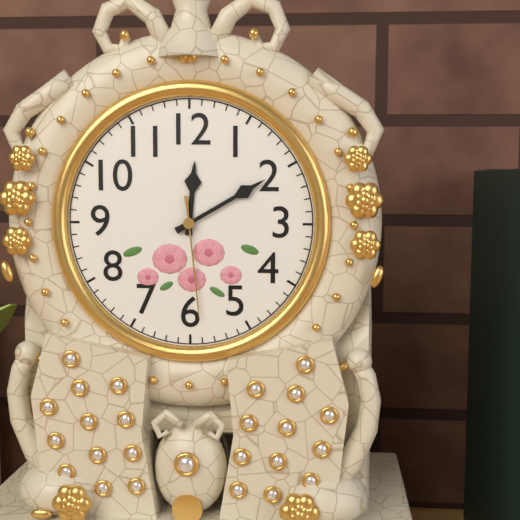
12:10:29
